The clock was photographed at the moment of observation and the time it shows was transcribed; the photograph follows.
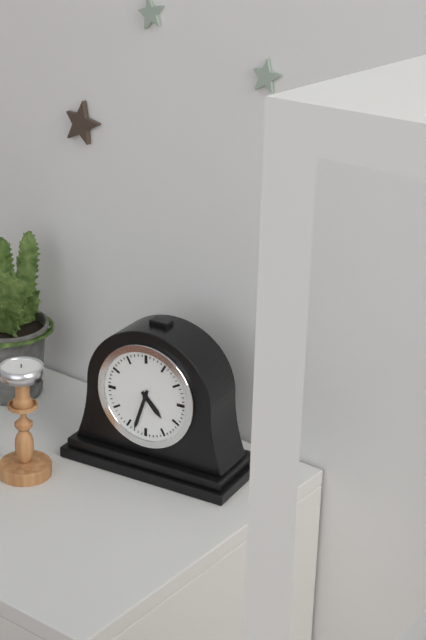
4:33
